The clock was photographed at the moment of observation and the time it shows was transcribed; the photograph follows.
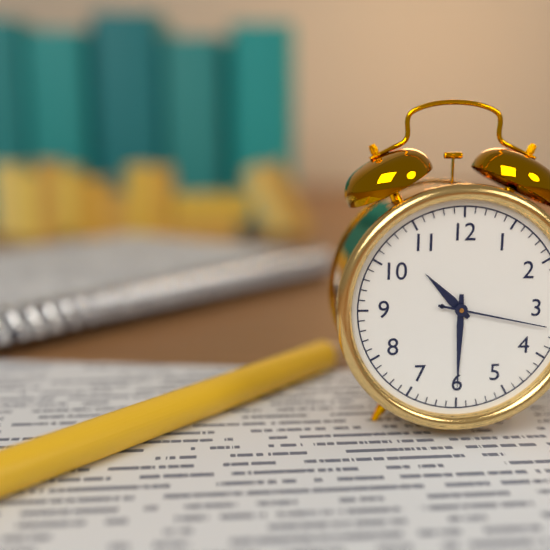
10:30:17
